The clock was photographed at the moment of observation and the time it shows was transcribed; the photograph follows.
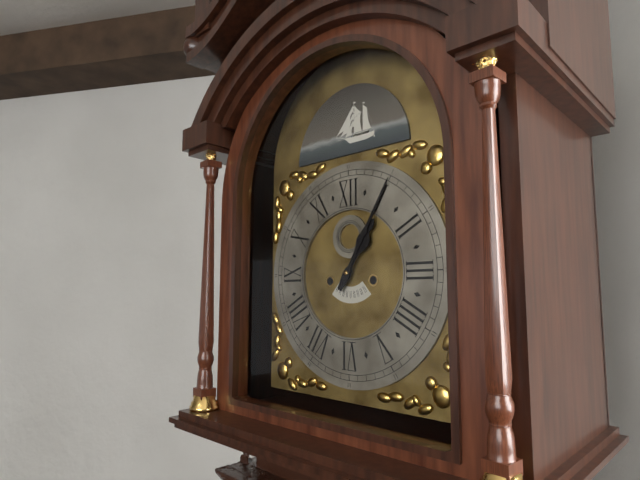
1:05
